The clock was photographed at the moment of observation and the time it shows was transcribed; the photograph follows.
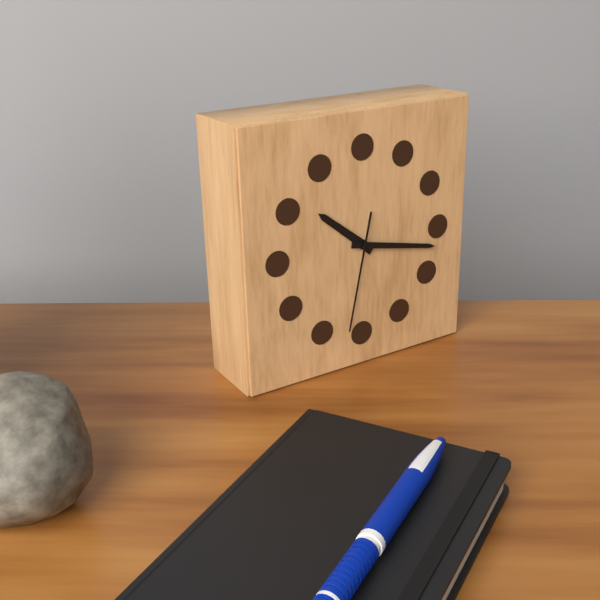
10:17:32
